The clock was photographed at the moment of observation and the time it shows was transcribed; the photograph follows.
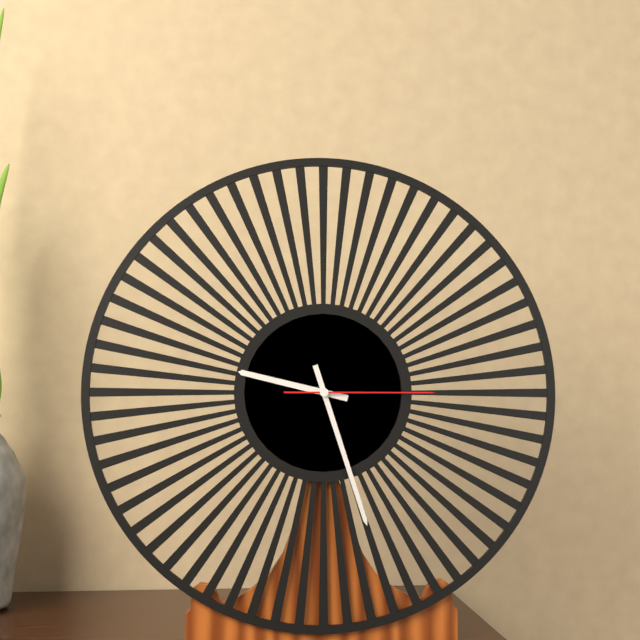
9:27:15
